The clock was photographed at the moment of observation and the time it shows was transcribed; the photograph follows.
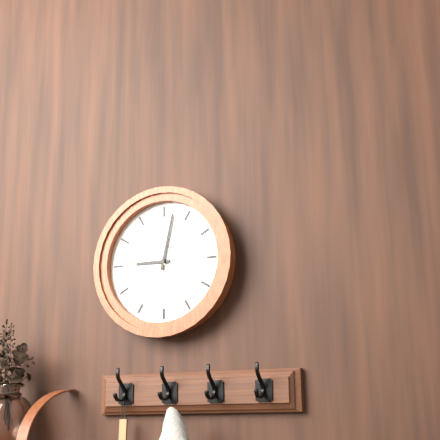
9:02:24
